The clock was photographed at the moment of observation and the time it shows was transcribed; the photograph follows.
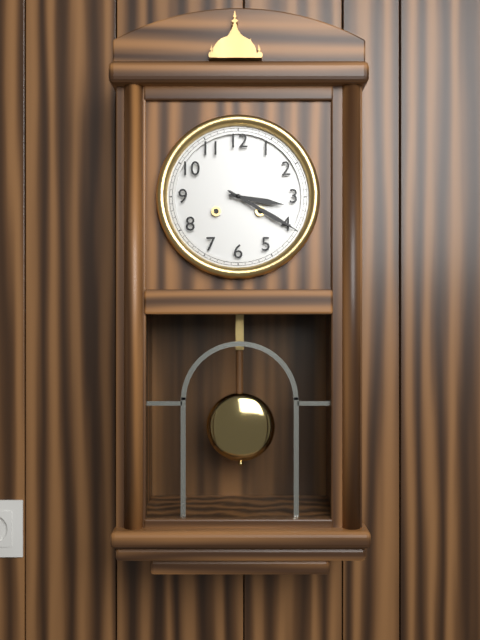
3:20
